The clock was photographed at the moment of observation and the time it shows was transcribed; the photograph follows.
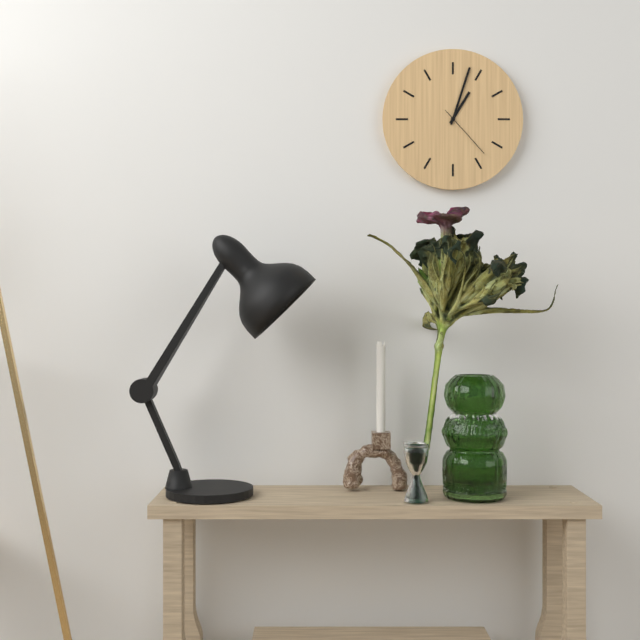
1:03:23
